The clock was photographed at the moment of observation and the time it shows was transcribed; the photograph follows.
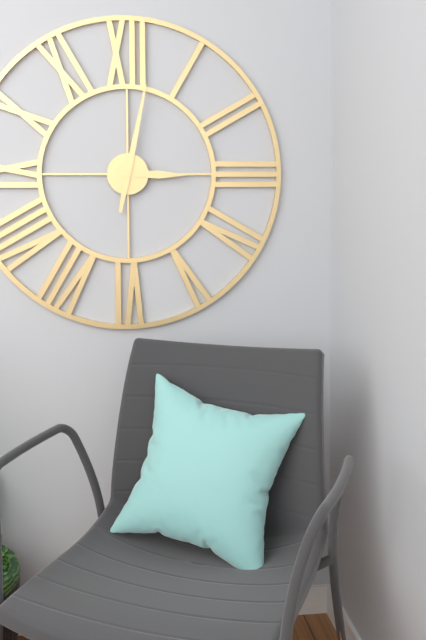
3:02
